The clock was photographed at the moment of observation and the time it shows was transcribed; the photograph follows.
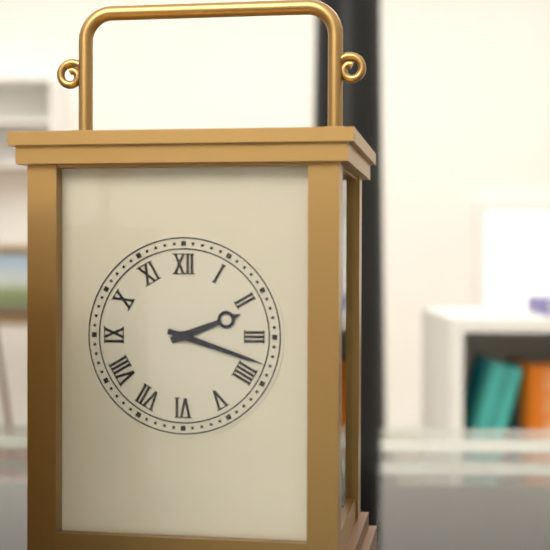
2:18
